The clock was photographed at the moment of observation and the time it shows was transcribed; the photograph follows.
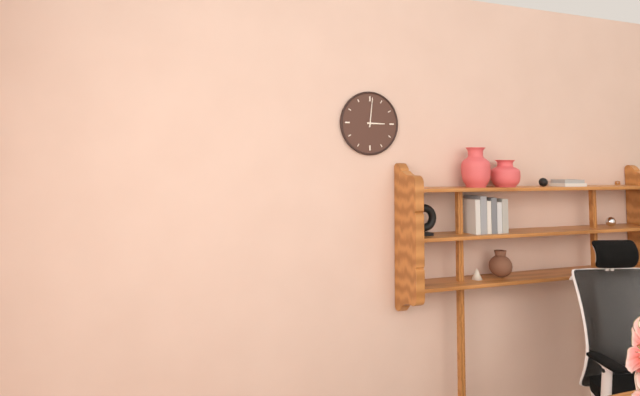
3:01
